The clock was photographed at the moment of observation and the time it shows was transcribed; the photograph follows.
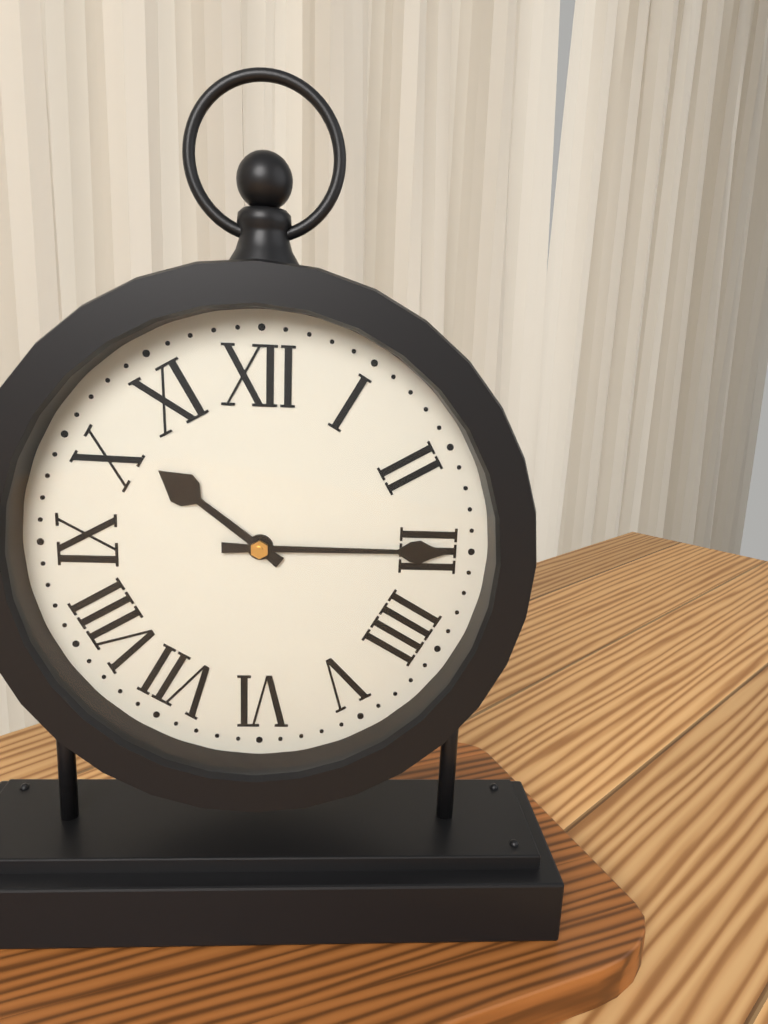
10:15
